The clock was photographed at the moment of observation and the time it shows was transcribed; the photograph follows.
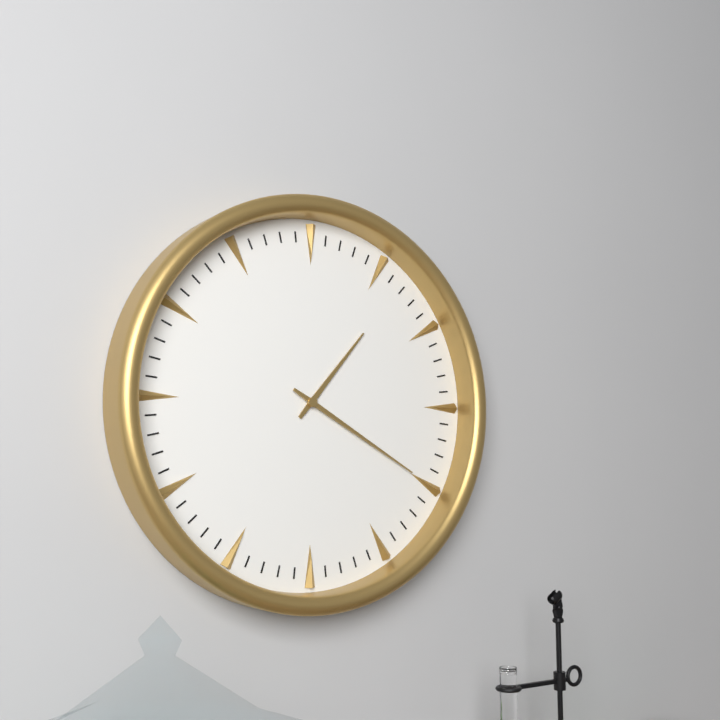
1:20
